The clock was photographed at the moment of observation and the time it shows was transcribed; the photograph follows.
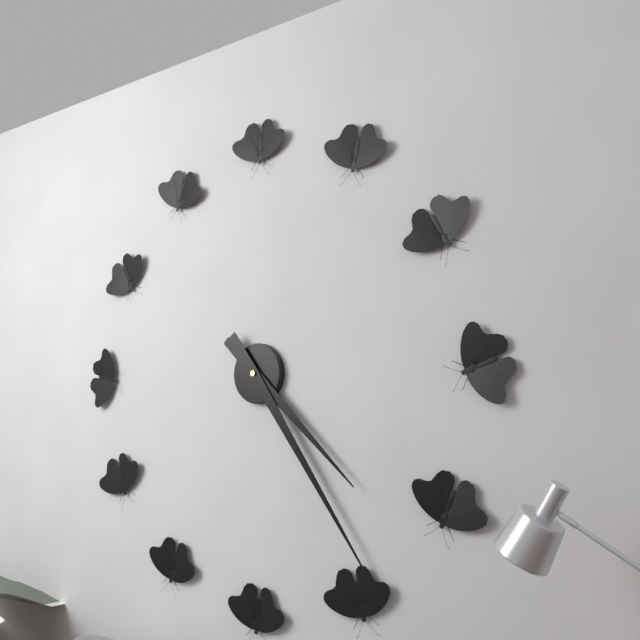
4:24
